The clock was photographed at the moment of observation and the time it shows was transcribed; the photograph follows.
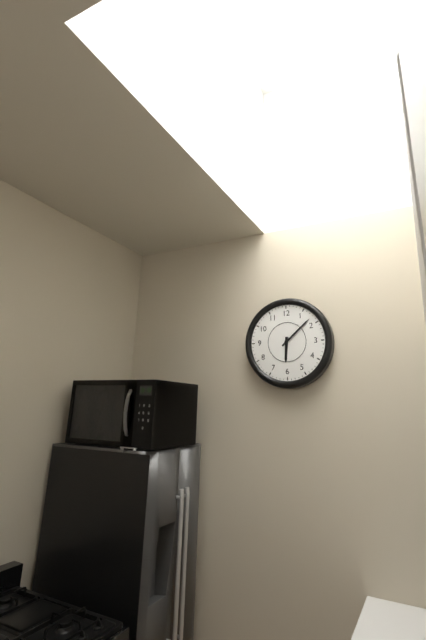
6:08
